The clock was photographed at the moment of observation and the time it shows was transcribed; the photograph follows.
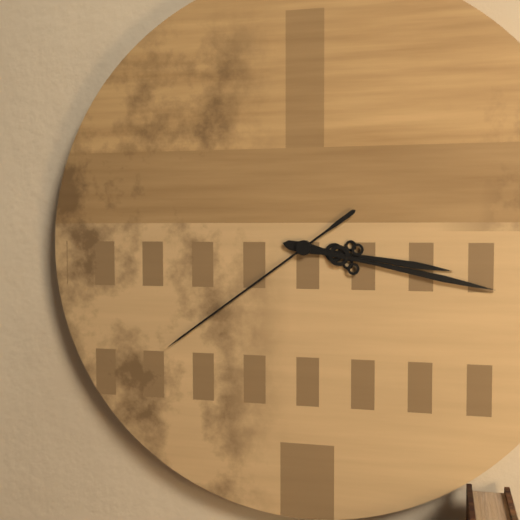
3:17:39
